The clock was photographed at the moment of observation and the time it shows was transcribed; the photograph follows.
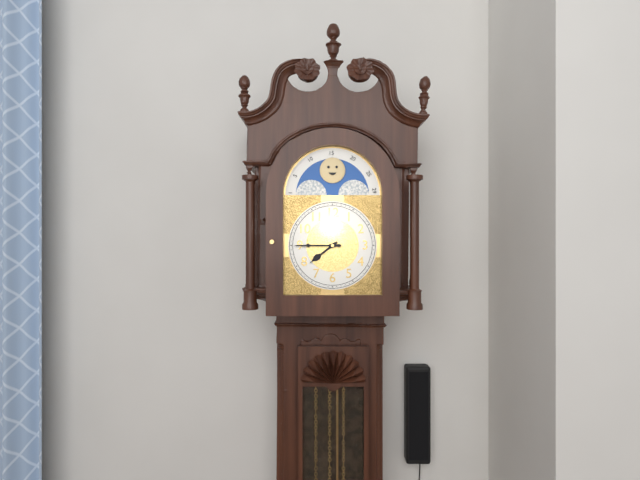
7:45
